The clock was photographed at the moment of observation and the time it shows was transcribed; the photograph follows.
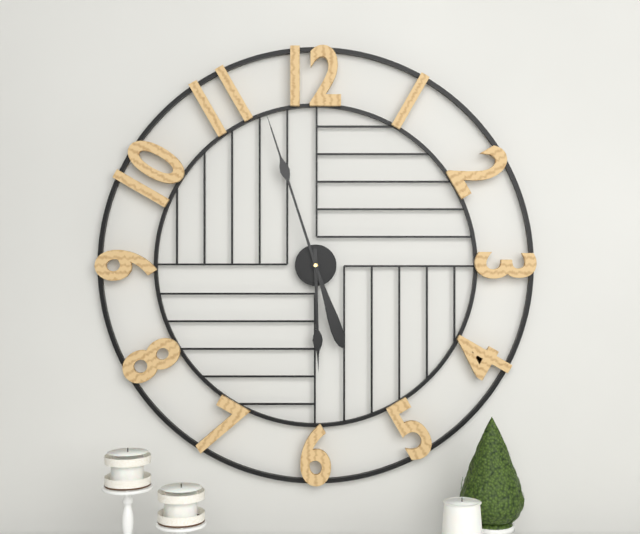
5:57
